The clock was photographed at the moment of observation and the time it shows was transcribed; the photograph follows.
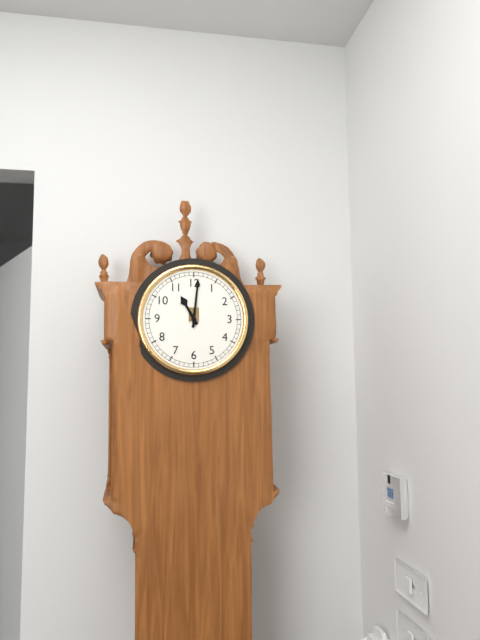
11:01
